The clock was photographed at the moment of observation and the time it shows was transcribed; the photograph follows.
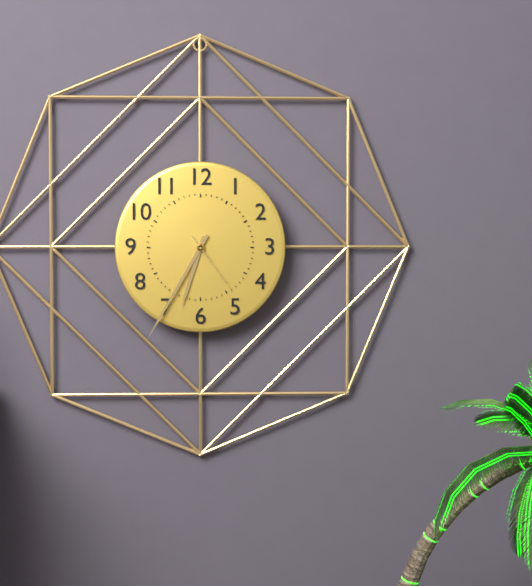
6:35:24
